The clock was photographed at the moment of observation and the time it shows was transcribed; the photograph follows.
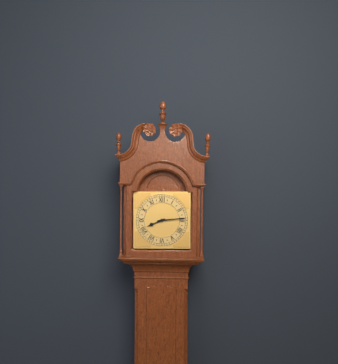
8:14
